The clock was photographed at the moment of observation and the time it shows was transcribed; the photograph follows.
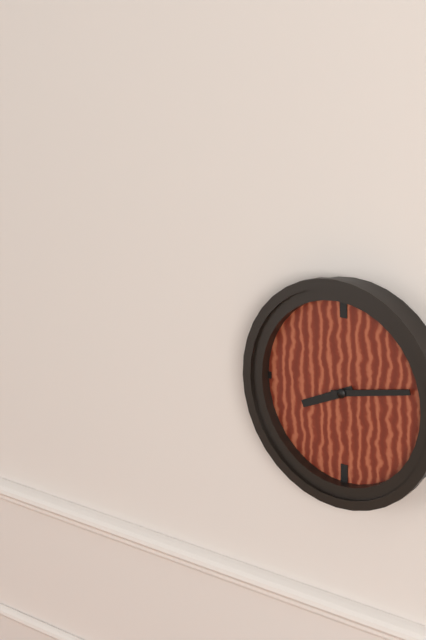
8:13
